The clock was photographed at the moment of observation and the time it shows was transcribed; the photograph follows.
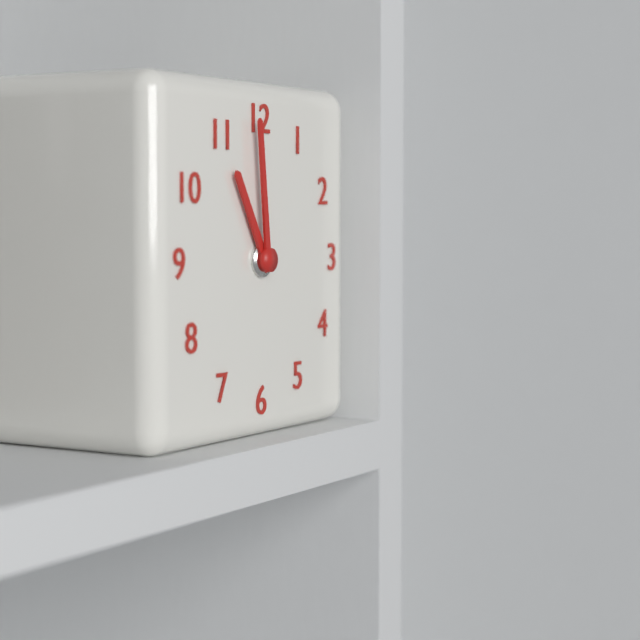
10:59
